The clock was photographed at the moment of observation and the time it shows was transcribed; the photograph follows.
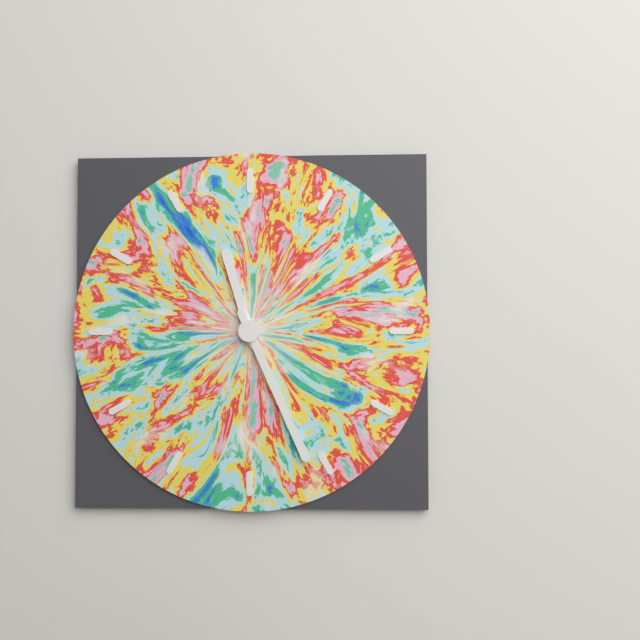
11:26
